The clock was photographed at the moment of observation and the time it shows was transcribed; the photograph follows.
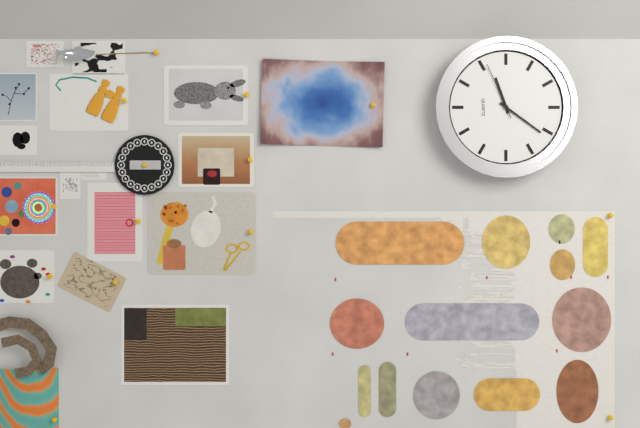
11:21:56
